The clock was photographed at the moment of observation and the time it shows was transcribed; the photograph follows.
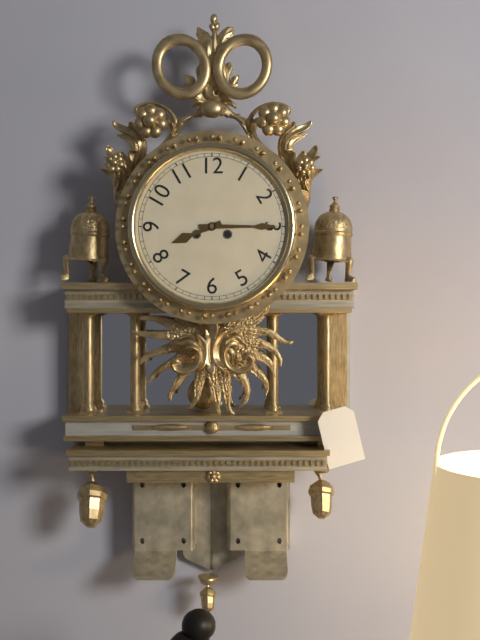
8:15
